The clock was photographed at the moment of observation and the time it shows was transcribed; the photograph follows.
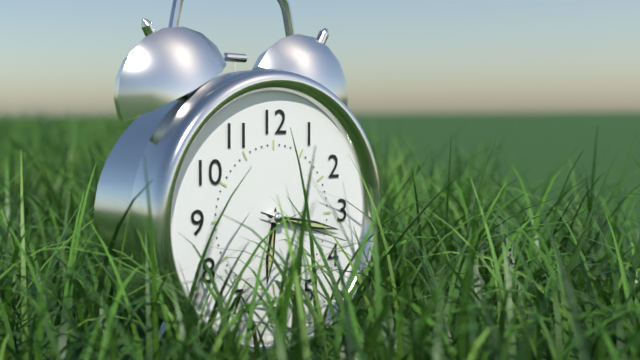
6:17:18
